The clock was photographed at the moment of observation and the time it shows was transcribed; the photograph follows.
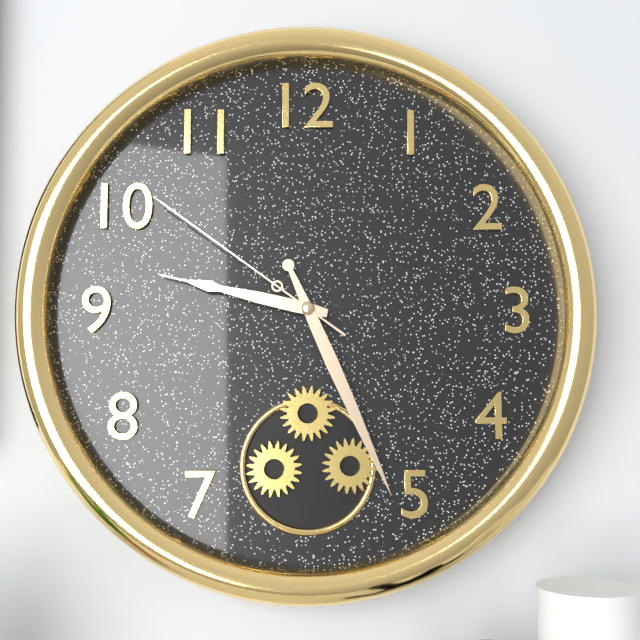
9:26:51
